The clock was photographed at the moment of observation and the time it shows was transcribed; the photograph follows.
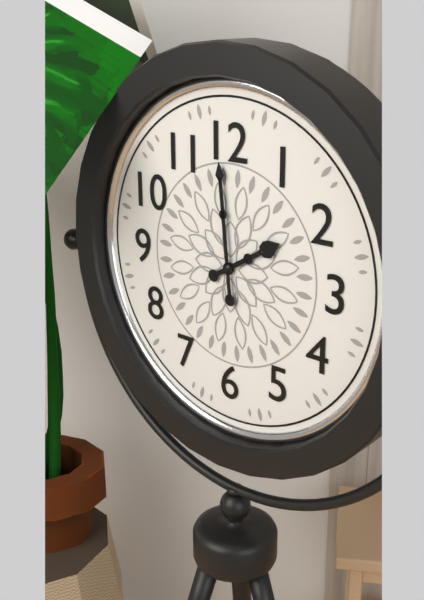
1:59
